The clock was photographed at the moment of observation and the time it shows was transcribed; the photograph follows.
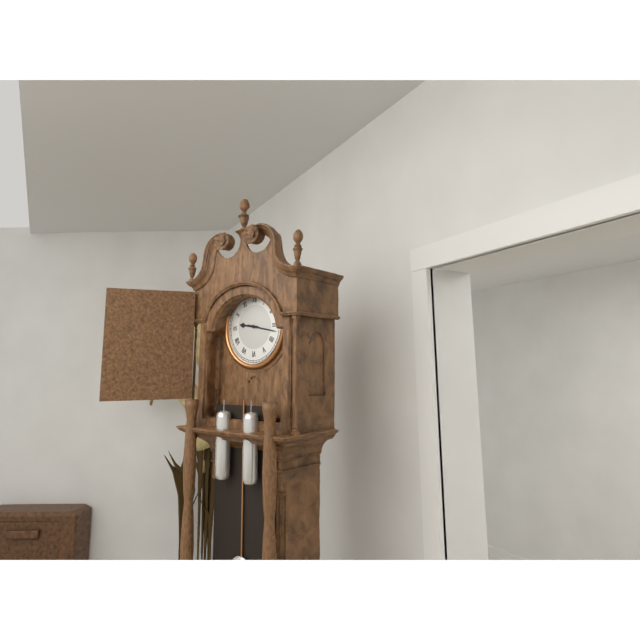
9:17
